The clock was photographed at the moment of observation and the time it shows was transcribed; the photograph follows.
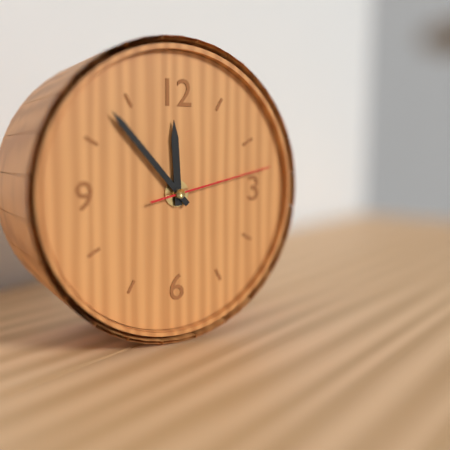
11:53:13
